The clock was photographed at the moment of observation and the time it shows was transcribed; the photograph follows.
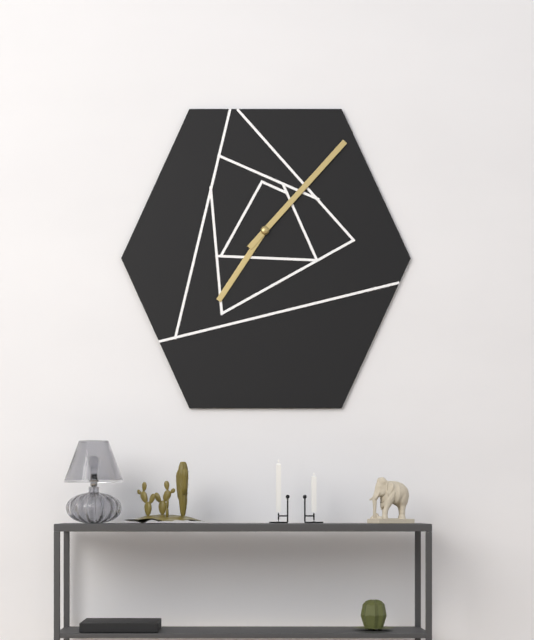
7:07
